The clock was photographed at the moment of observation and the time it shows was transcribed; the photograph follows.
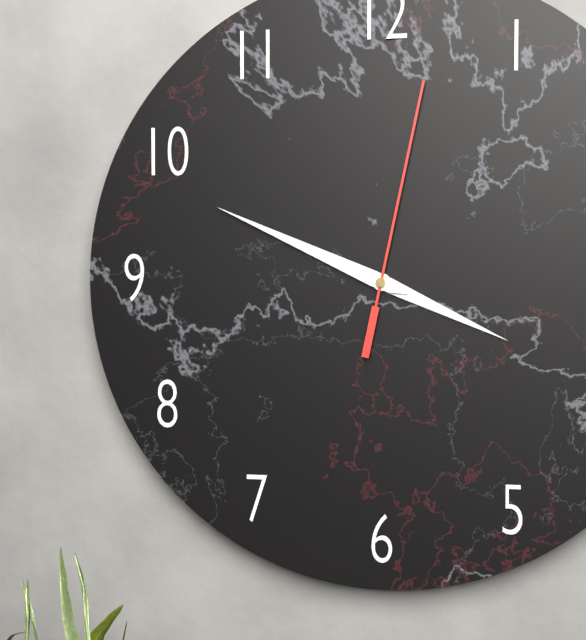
3:49:02
